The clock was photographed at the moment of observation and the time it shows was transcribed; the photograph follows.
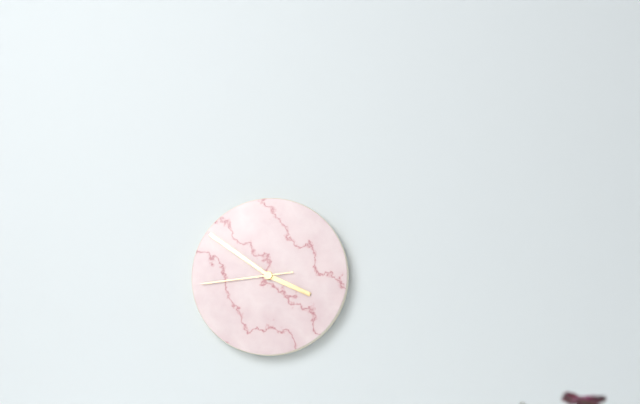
3:51:44
